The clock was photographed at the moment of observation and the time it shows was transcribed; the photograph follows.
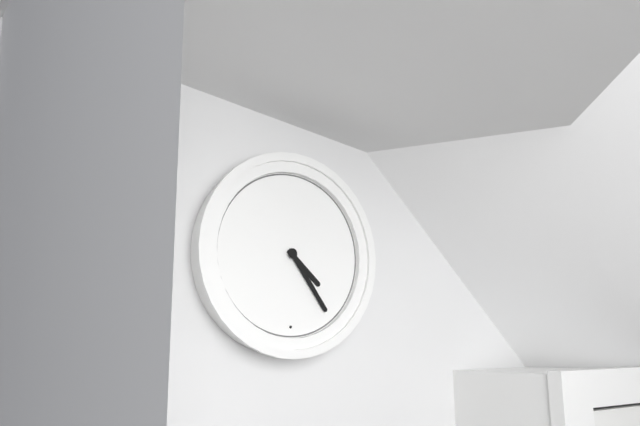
4:24
